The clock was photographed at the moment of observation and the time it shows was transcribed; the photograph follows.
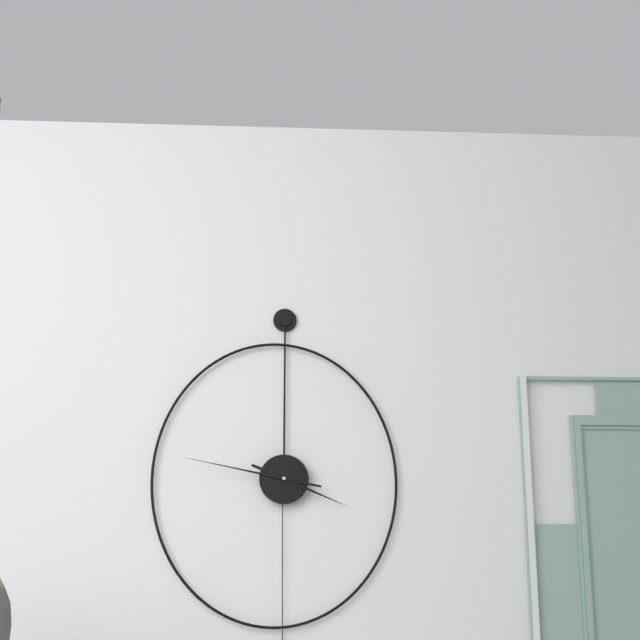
3:47
